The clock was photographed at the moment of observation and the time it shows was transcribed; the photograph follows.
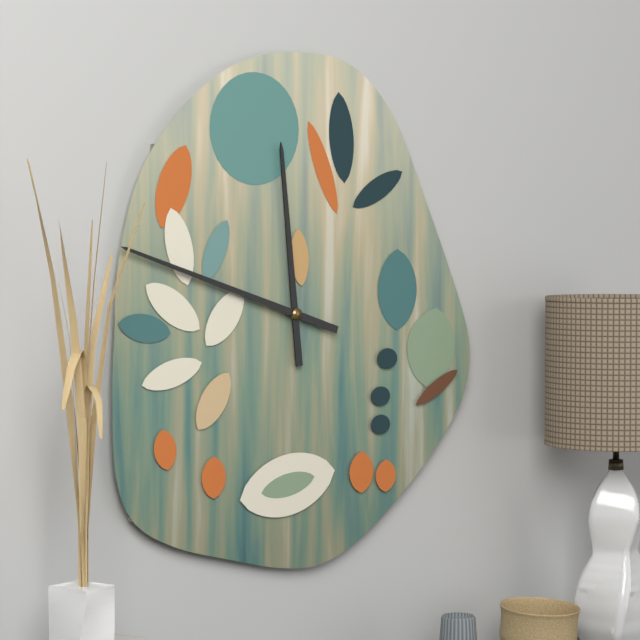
11:48
